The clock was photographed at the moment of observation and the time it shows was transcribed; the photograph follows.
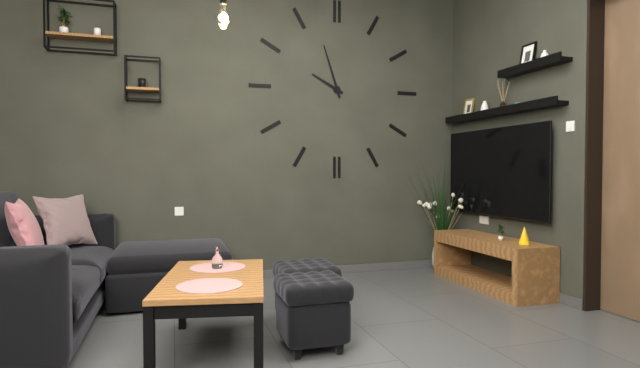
9:57
